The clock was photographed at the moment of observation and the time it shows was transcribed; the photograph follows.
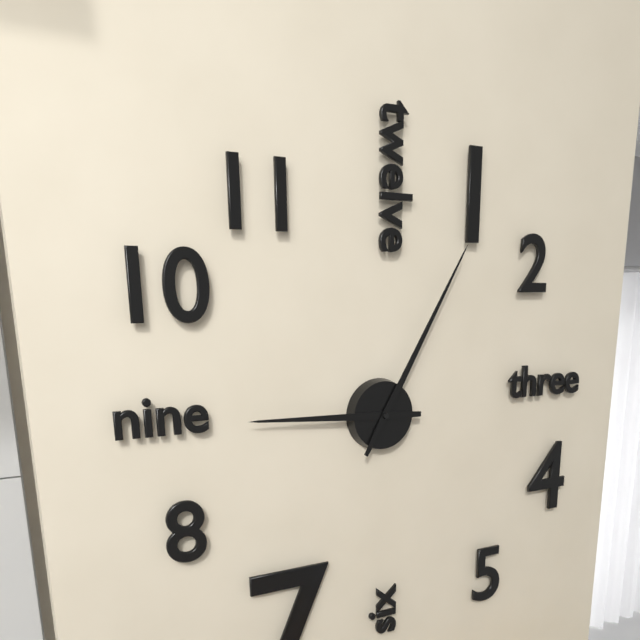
9:05
